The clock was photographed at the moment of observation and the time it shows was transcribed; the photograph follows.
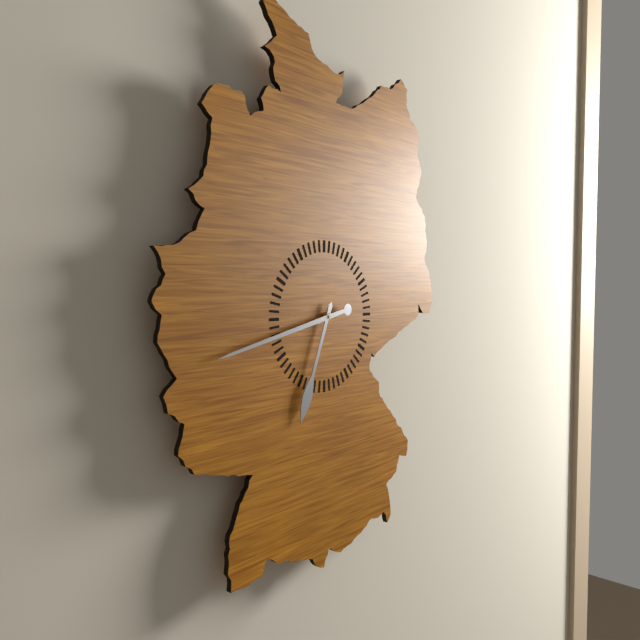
6:43
